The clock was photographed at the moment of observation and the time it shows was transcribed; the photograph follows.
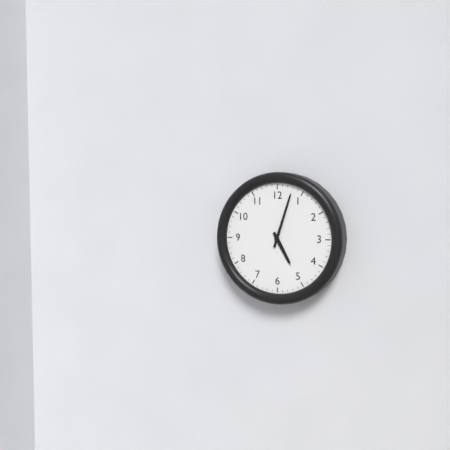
5:03
